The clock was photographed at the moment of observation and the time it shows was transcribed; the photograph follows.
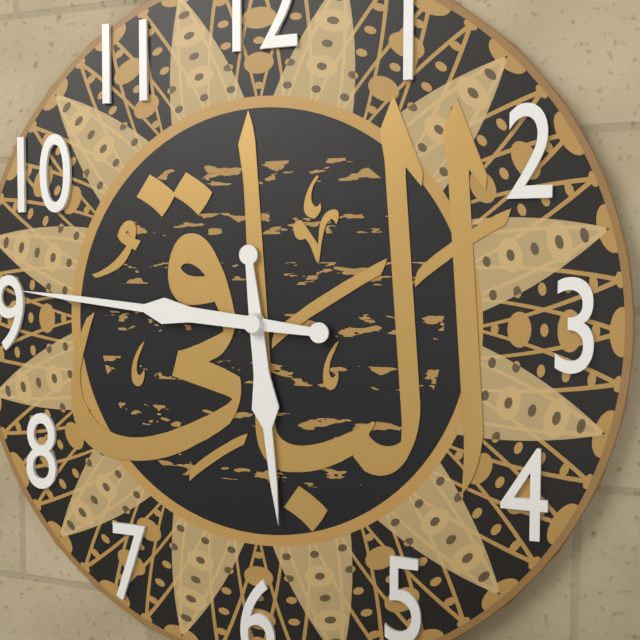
5:46
